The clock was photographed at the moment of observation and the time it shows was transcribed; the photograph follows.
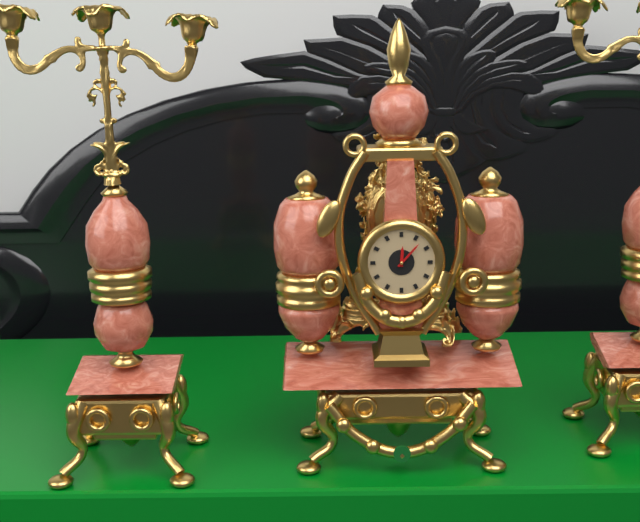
12:07
